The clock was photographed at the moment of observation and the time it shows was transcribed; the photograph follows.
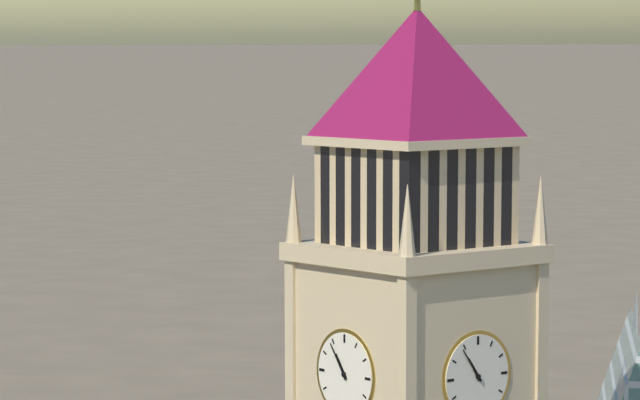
10:54
